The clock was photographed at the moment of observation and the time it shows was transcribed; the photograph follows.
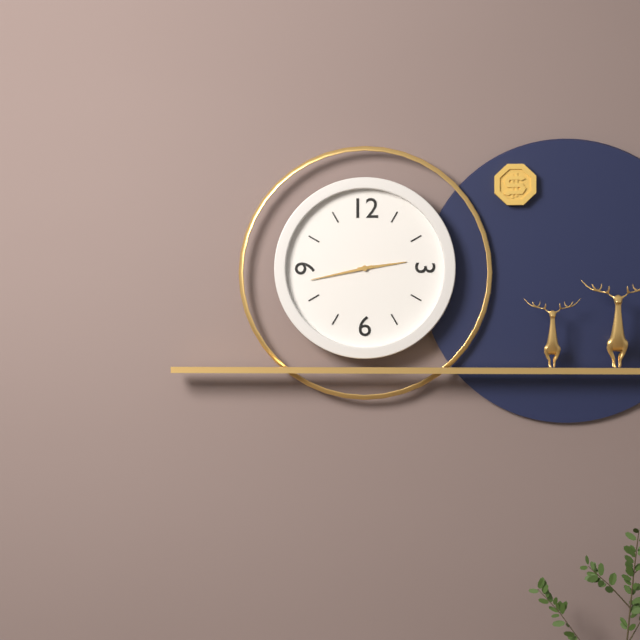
2:43
